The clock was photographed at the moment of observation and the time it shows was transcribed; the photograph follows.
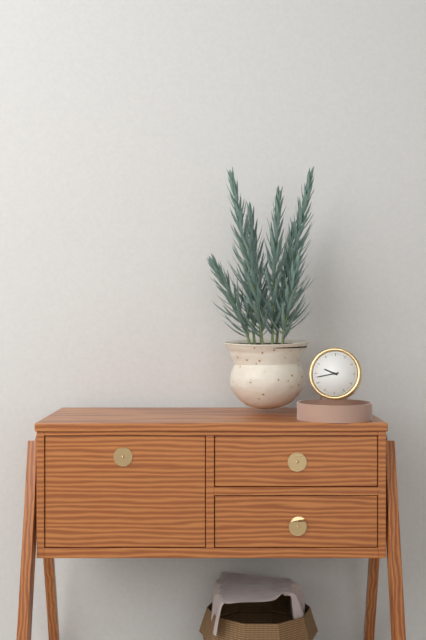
9:43
